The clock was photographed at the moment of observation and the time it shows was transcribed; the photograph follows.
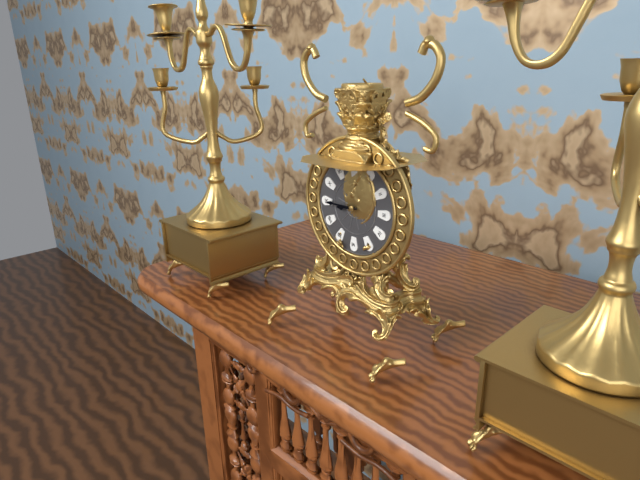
8:45
